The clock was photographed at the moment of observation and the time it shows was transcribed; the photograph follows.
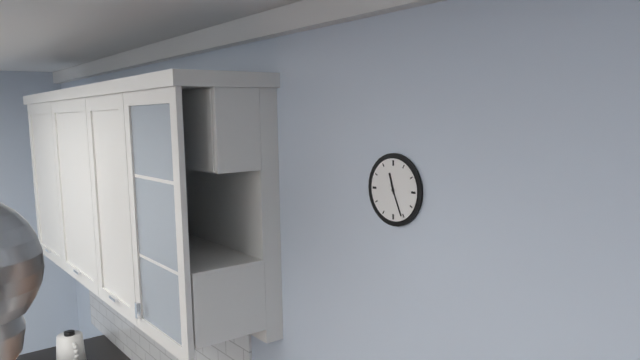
11:26
